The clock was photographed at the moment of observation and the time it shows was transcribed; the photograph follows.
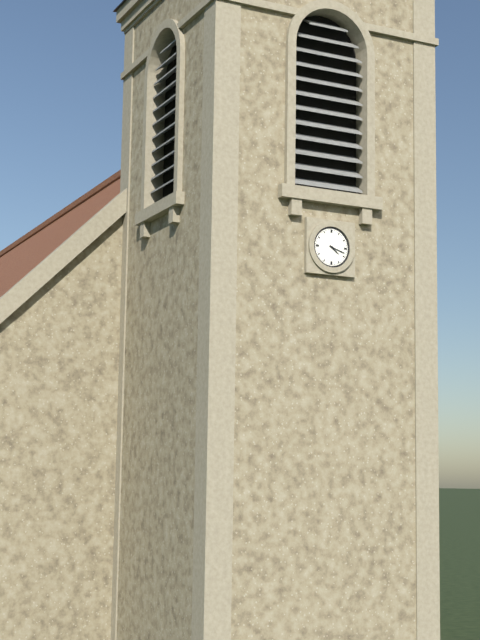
4:18
